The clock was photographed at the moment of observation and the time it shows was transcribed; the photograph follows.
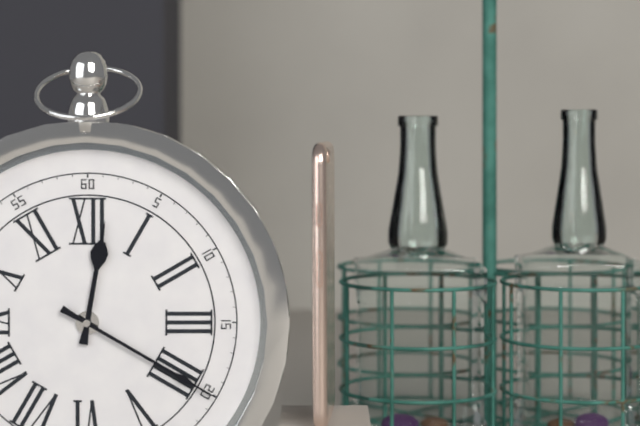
12:20
